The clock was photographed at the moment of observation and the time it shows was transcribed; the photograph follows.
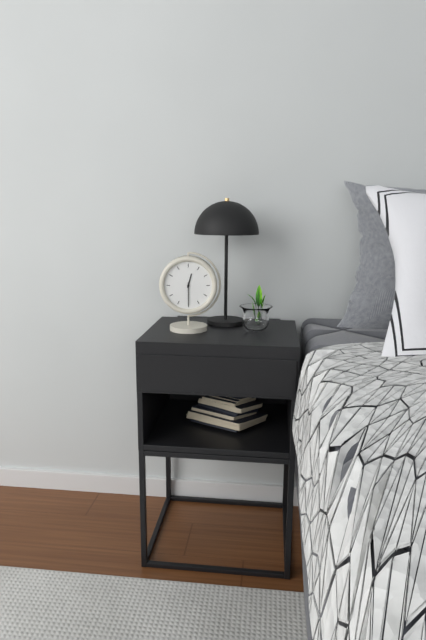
12:30
